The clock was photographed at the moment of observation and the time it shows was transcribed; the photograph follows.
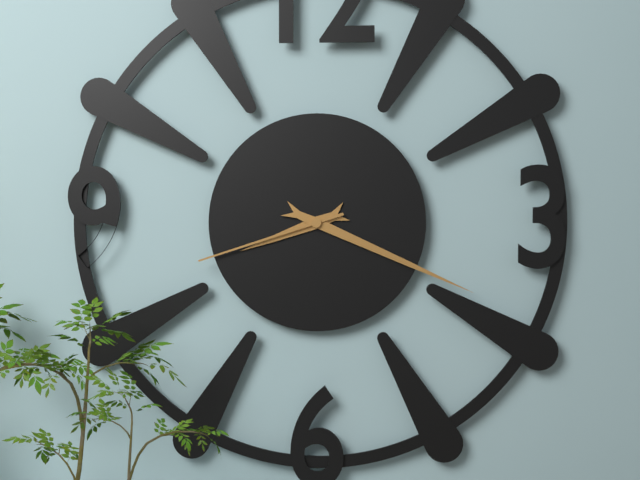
8:19:42
